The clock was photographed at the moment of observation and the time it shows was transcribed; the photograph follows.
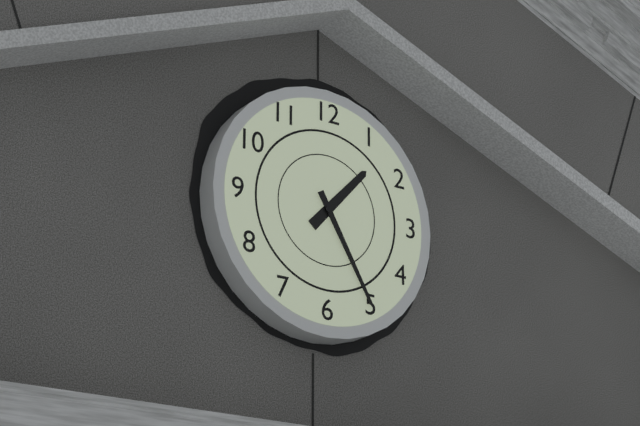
1:25
